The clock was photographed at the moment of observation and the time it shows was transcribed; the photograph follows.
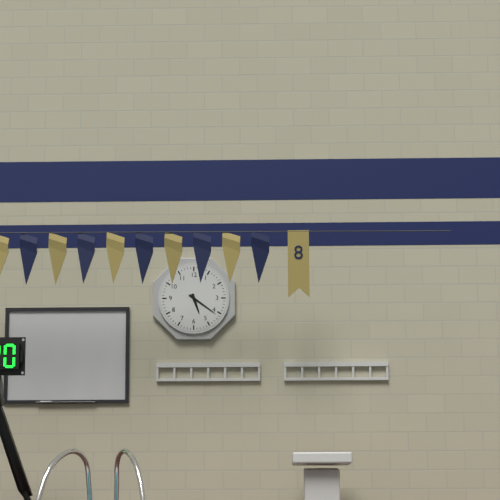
5:21
